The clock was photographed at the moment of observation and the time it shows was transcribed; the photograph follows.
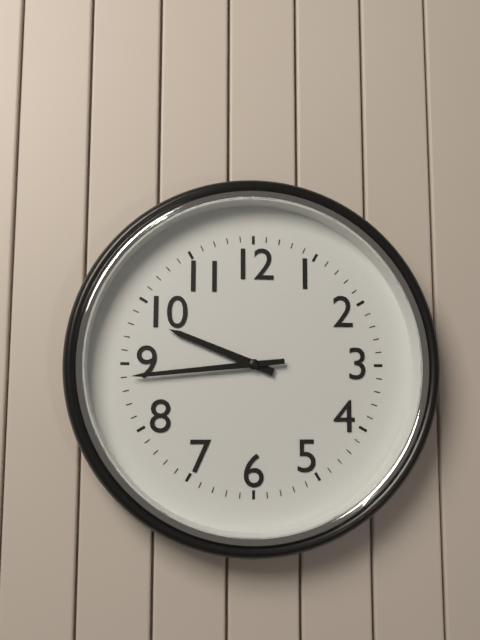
9:44
